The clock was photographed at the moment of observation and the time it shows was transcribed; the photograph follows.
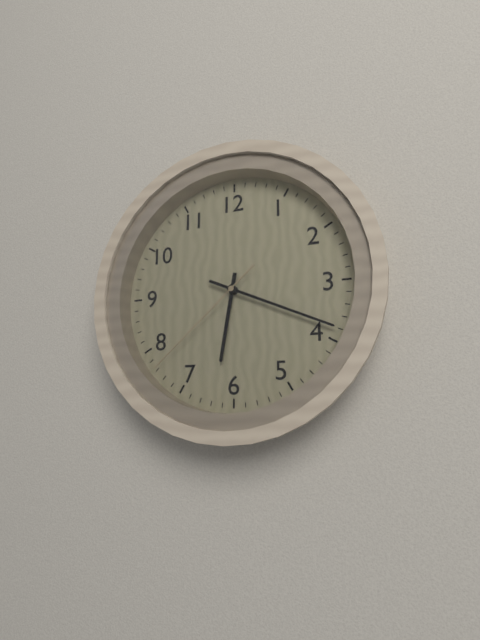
6:19:38
